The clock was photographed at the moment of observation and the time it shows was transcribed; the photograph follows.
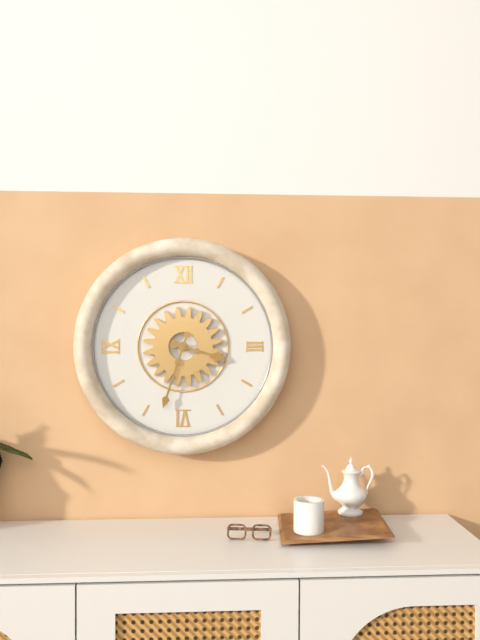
3:33
